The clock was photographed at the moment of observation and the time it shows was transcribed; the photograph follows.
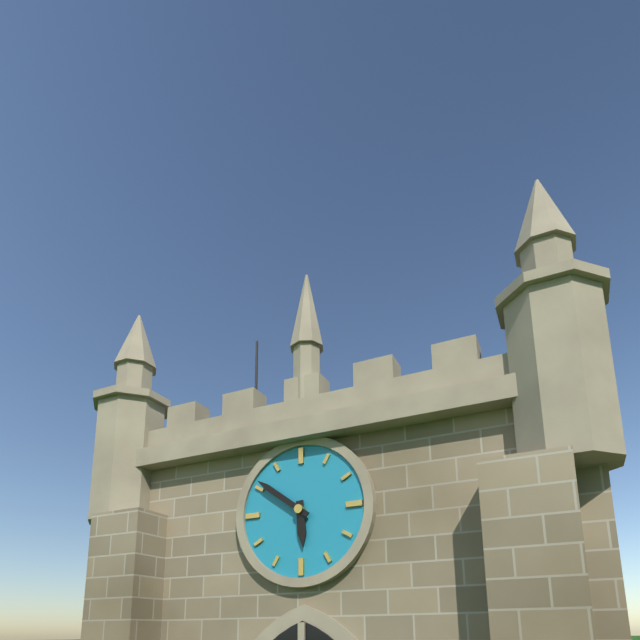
5:51
